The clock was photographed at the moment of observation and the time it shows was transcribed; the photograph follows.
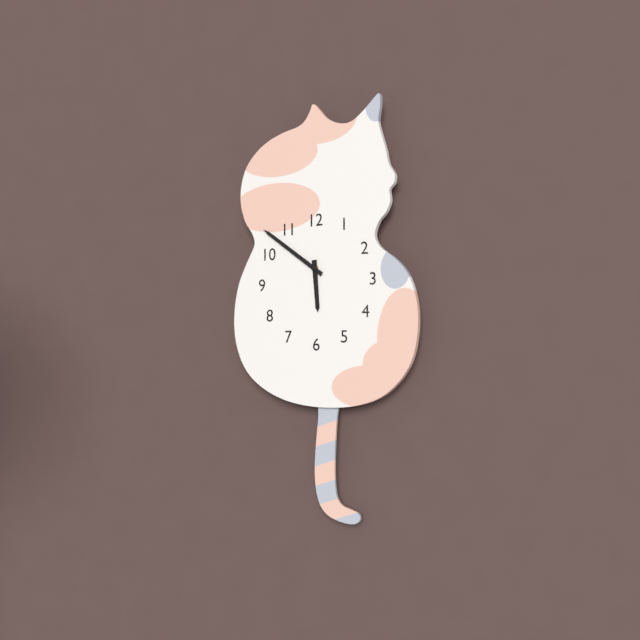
5:51
